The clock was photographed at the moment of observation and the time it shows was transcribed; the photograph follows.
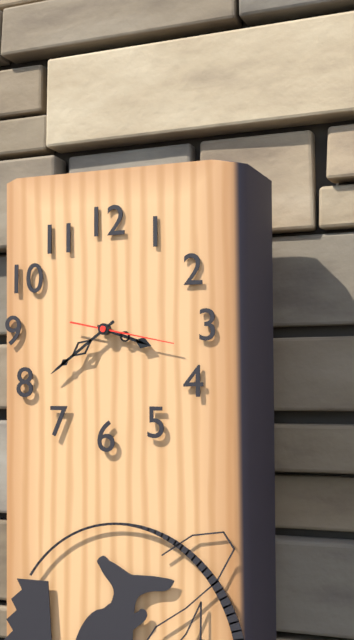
3:39:17
